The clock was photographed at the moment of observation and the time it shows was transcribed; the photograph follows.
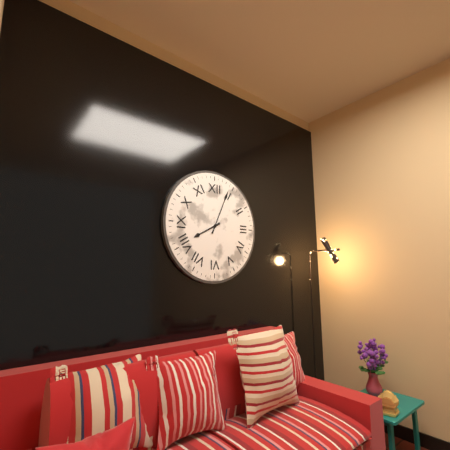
8:04
